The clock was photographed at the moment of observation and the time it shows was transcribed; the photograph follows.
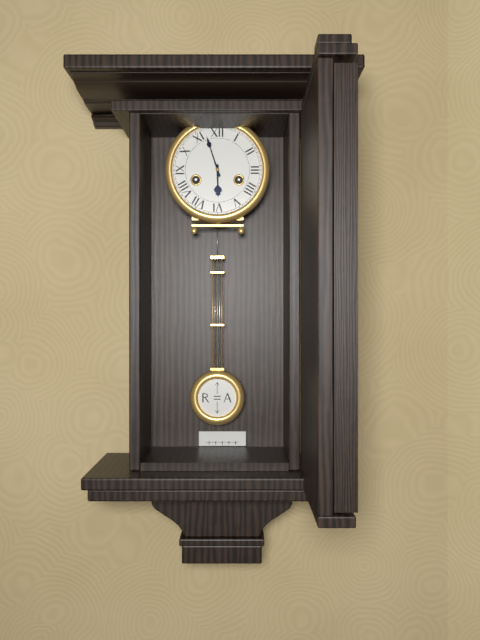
5:57
